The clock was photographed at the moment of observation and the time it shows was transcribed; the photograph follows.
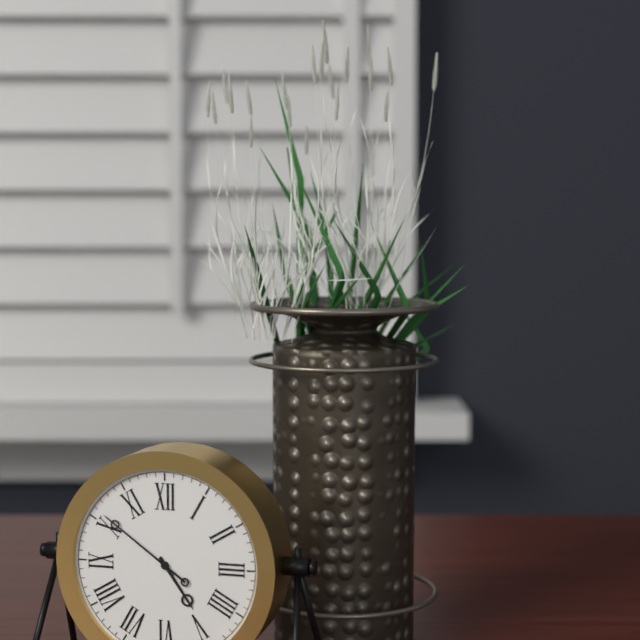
4:51
